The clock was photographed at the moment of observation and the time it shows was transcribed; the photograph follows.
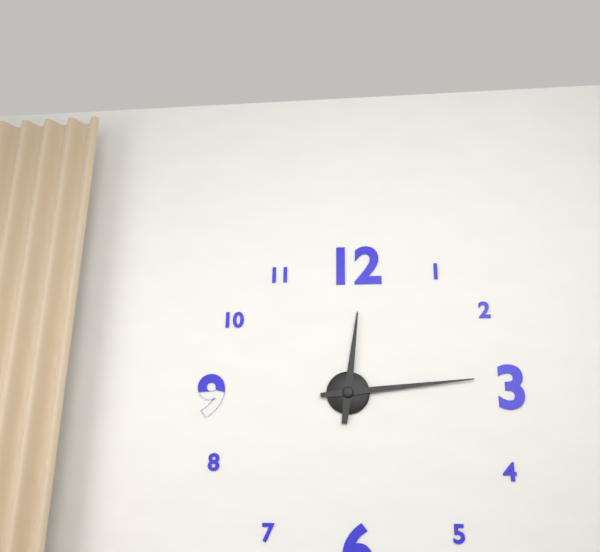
12:14
